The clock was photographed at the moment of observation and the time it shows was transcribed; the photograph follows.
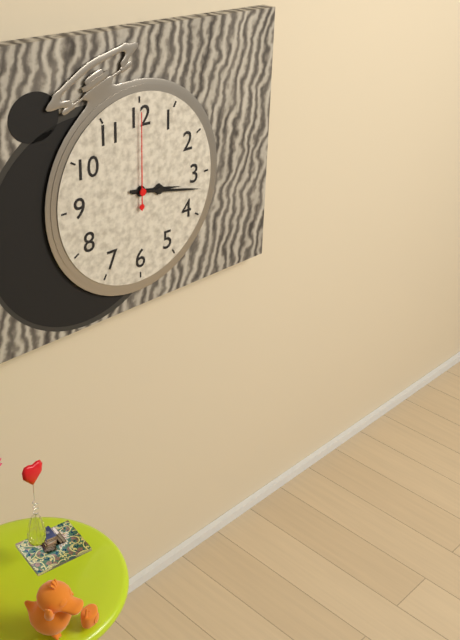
3:17:00
